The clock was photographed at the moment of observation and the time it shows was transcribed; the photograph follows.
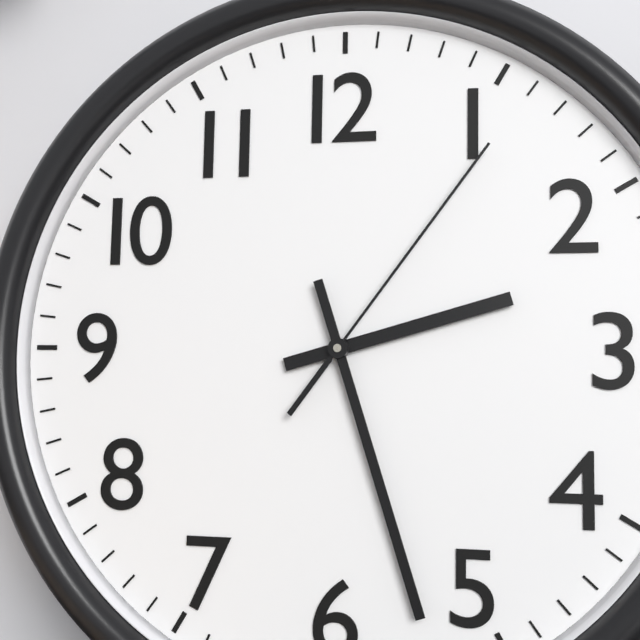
2:27:06
